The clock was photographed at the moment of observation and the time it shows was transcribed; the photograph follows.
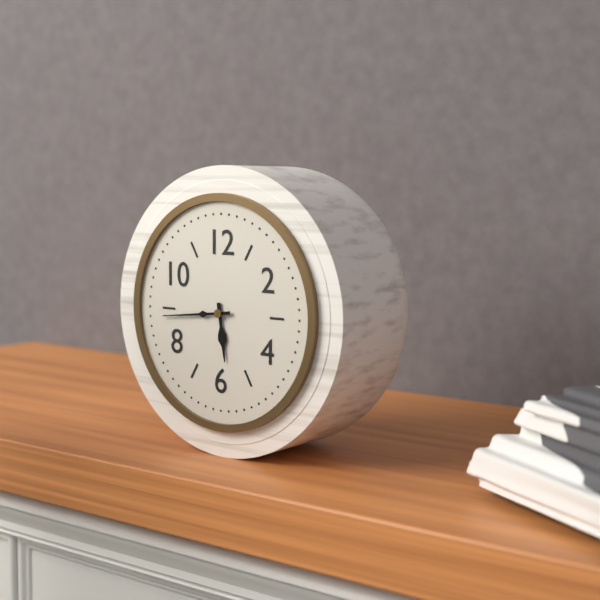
5:44
